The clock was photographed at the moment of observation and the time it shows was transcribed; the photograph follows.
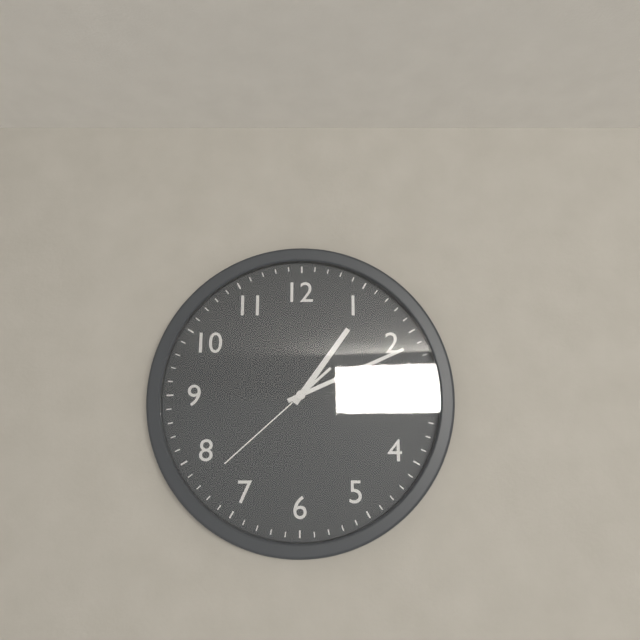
1:11:38
